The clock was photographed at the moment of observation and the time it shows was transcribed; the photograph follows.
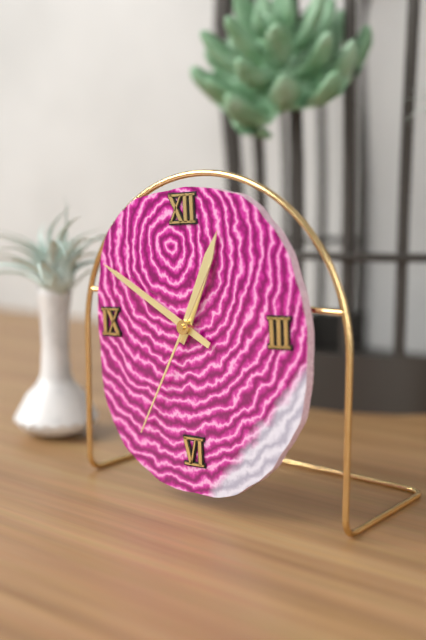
12:50:35
